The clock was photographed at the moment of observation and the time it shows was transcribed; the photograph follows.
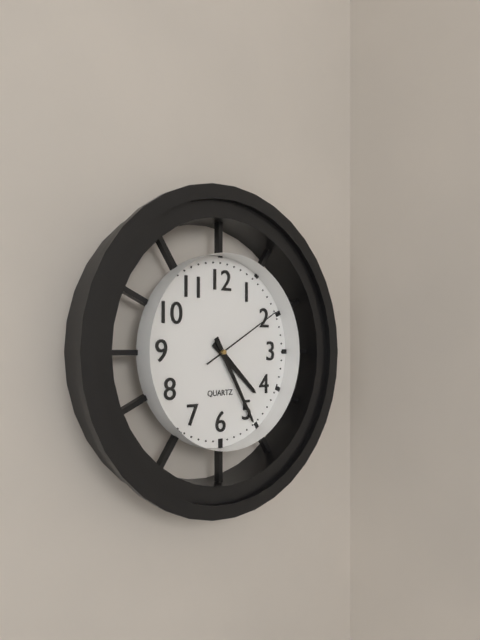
4:25:10
